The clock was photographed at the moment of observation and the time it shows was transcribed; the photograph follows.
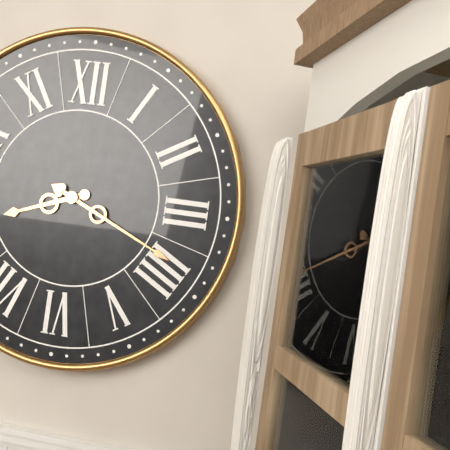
8:19
